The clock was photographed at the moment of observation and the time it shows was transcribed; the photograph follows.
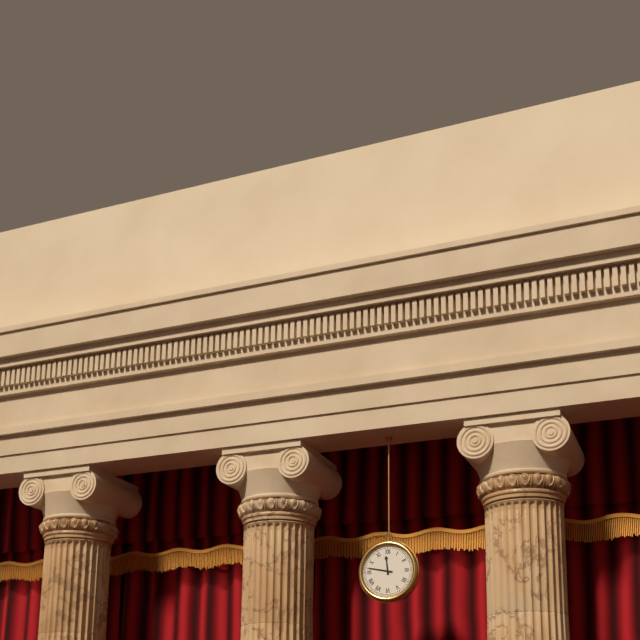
11:47
